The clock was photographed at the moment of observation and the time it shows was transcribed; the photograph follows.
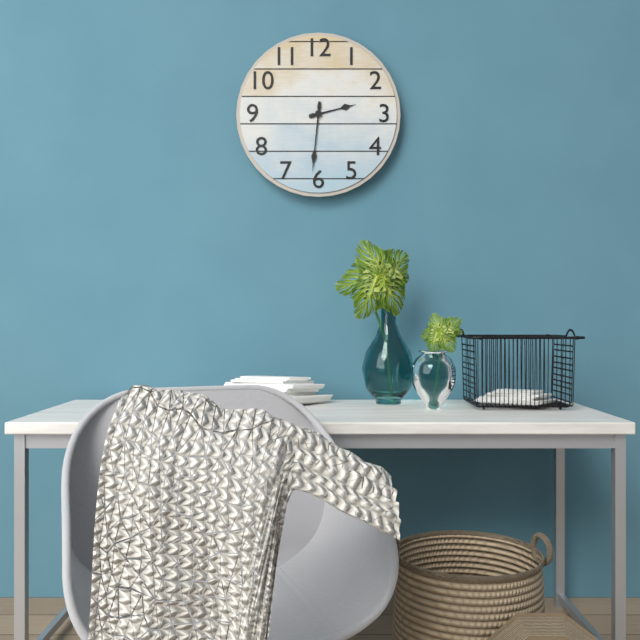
2:31
